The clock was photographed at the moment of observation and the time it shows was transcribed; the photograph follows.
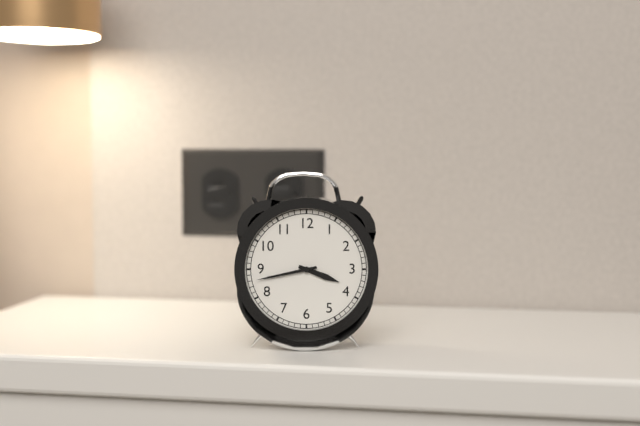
3:43
